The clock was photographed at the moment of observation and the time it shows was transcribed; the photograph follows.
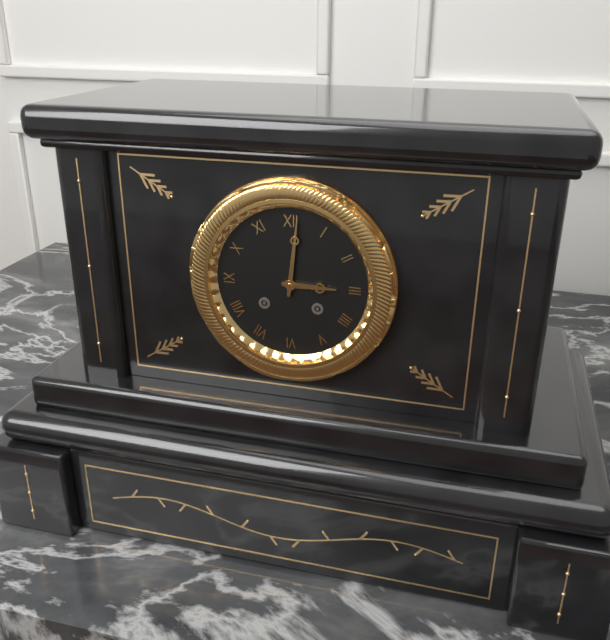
3:01
